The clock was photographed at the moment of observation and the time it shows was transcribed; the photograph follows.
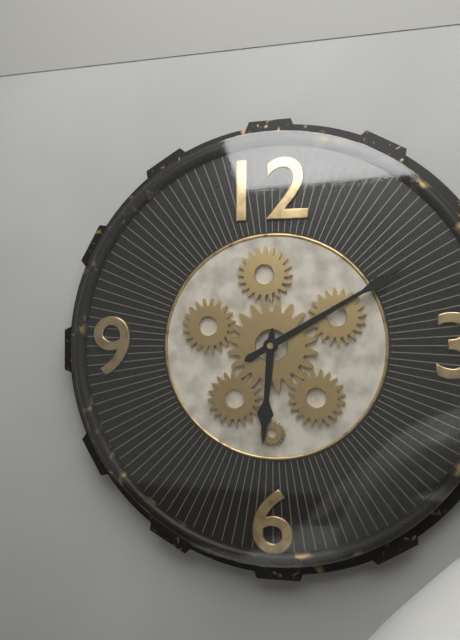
6:10
